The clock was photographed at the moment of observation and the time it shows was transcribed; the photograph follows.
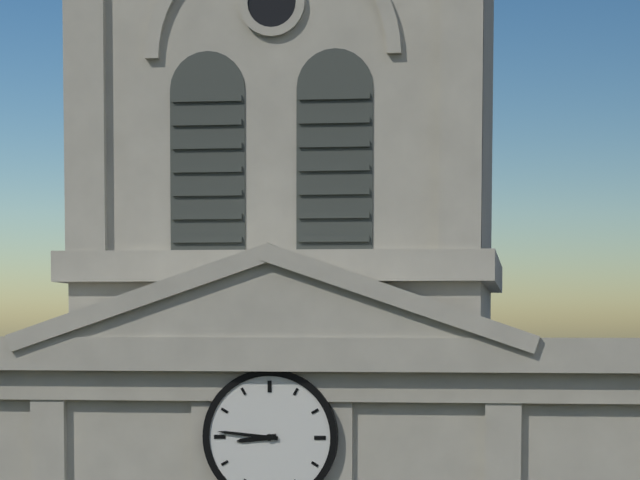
8:46
